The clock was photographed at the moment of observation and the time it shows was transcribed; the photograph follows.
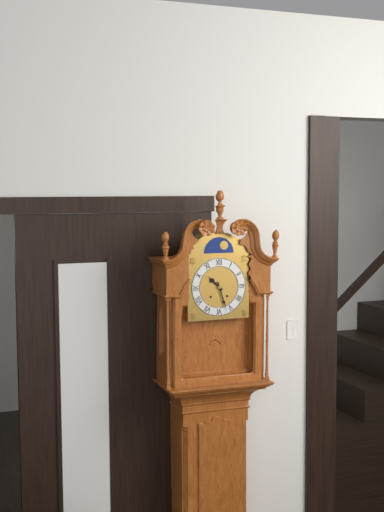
10:27
